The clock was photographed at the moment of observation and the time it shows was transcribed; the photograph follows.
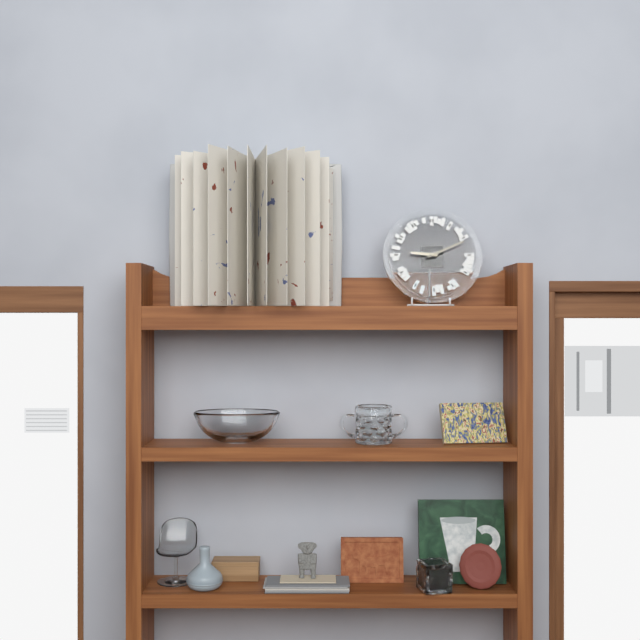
9:11
